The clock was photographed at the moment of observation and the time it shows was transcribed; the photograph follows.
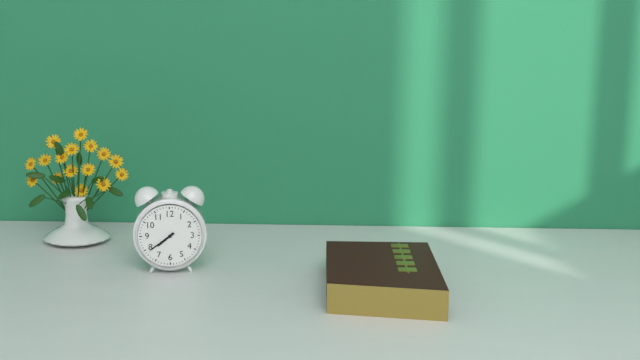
7:39
